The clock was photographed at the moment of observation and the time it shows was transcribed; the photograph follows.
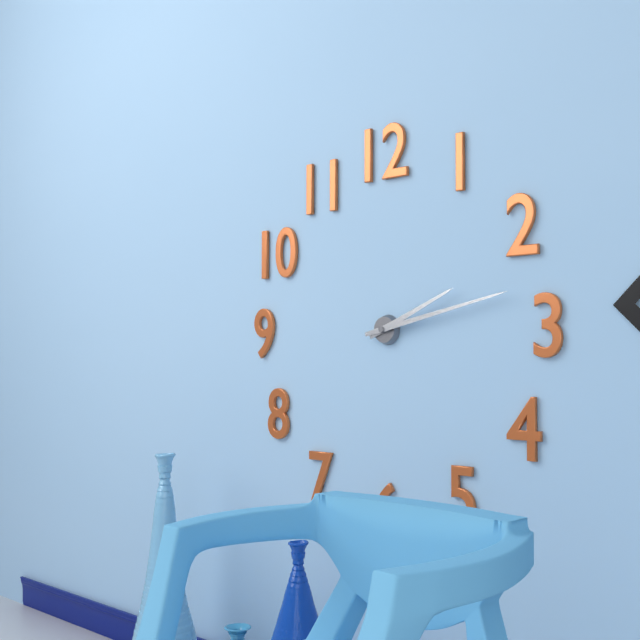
2:13
